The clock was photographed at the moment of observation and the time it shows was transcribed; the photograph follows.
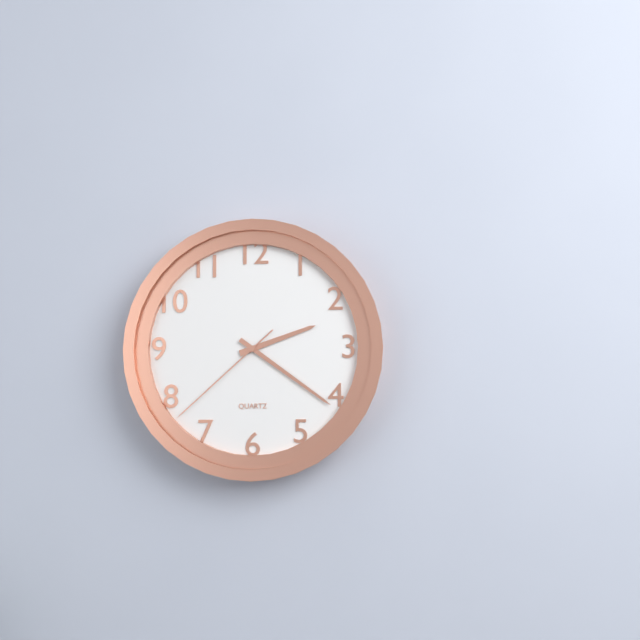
2:21:38
